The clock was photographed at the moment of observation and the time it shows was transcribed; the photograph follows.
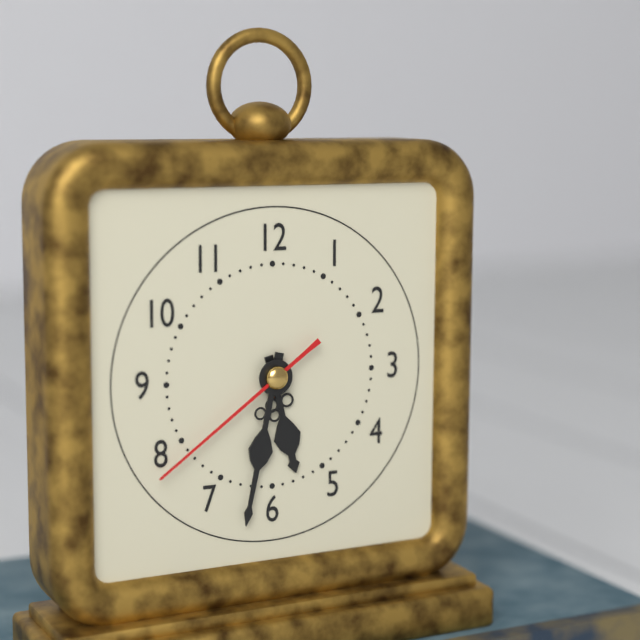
5:32:39
